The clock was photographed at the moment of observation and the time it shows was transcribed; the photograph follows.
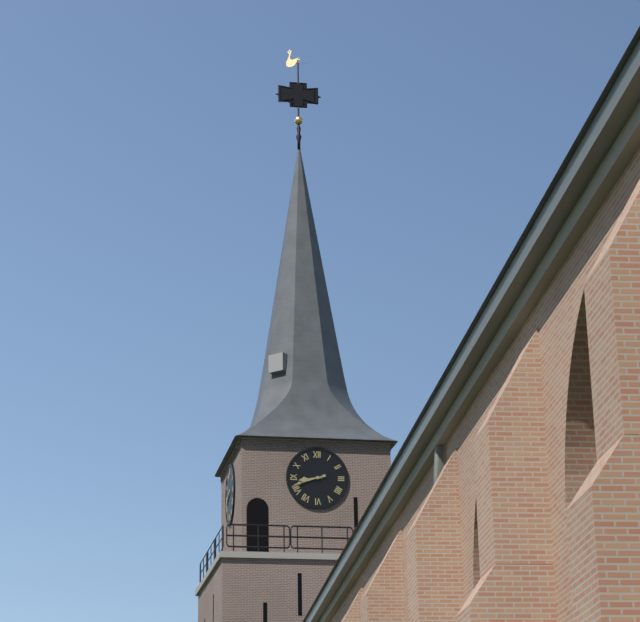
8:42
